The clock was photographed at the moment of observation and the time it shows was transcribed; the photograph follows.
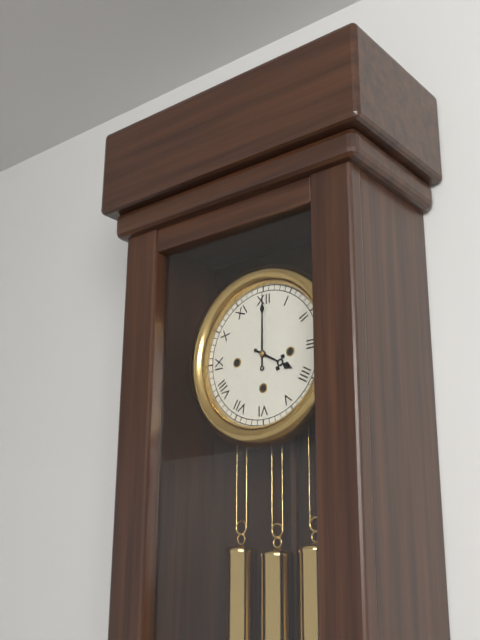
4:00
